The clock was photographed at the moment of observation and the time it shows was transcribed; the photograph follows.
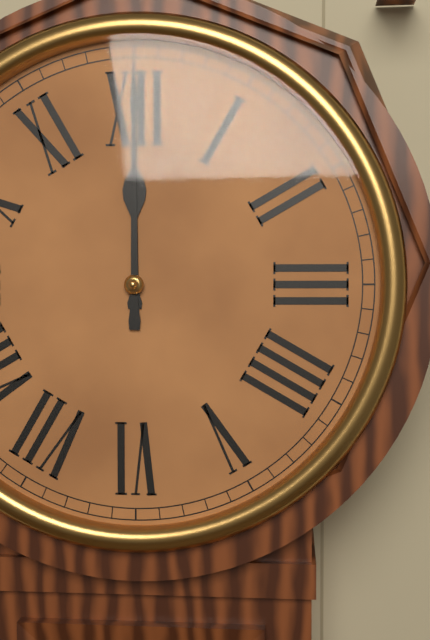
12:00
